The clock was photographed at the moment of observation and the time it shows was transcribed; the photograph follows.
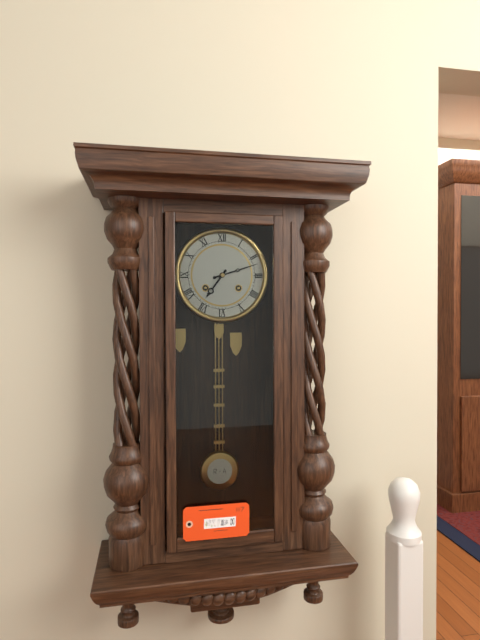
7:12
